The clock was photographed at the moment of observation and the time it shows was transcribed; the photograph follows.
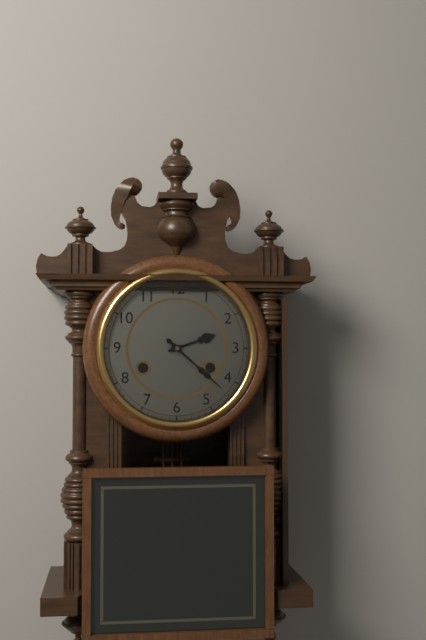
2:22
